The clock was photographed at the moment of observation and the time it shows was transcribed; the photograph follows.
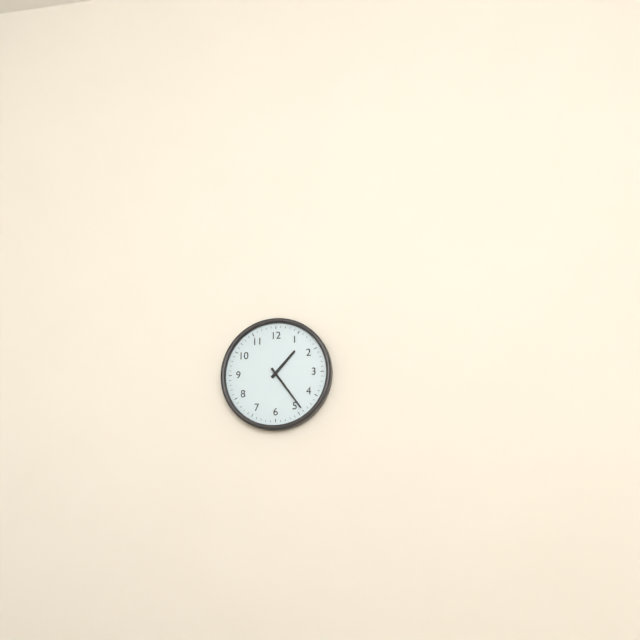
1:24
